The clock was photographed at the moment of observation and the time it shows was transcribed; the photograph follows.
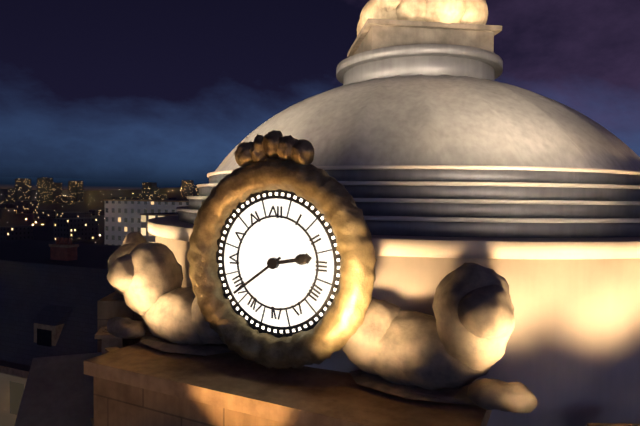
2:39
